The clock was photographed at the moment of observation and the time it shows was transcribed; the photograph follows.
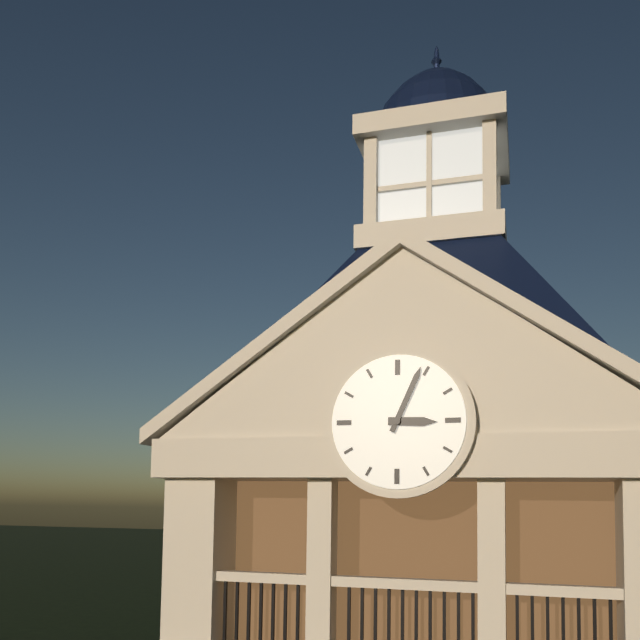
3:04
